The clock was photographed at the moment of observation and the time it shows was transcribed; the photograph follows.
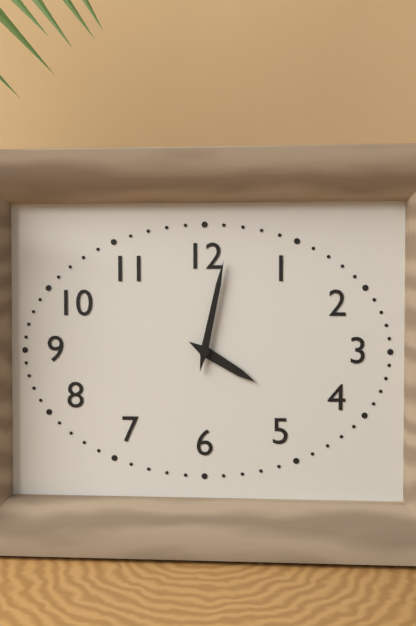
4:02
